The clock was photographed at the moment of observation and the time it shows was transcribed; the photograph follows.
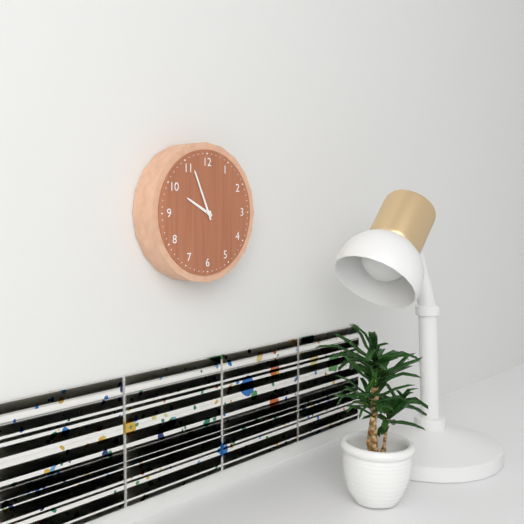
9:56
